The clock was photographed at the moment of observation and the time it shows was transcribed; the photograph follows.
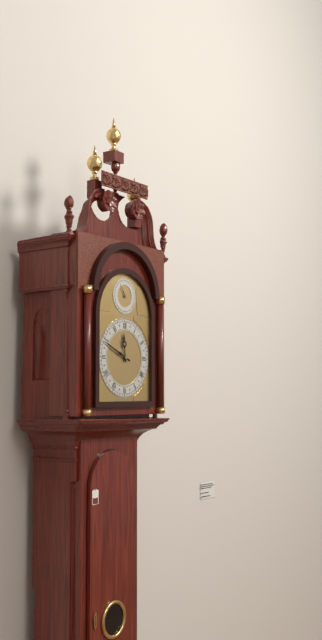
11:49
